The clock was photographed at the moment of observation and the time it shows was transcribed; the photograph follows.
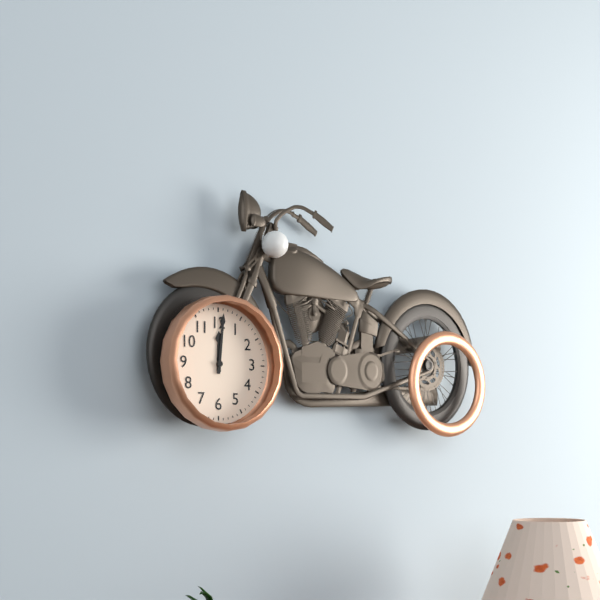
12:01
